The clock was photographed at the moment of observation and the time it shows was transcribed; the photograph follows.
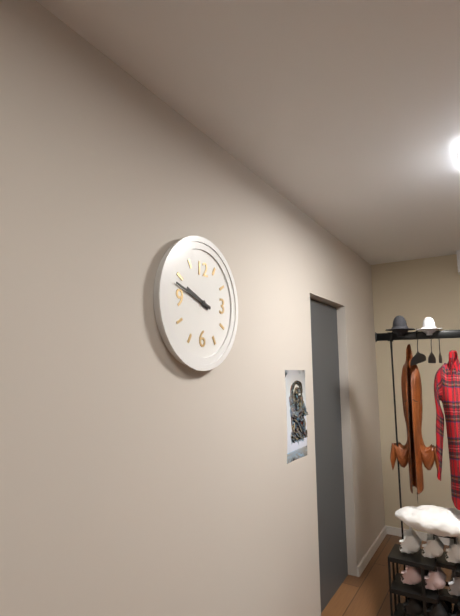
9:48
